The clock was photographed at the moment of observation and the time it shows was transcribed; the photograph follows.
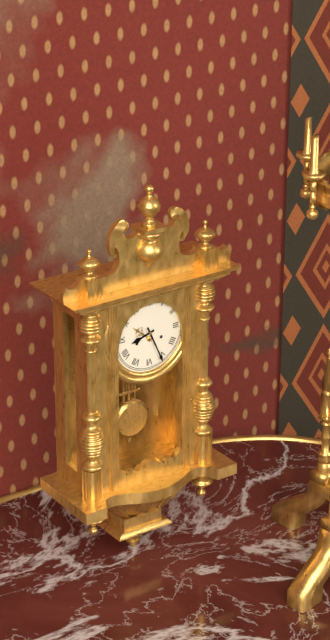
8:26
